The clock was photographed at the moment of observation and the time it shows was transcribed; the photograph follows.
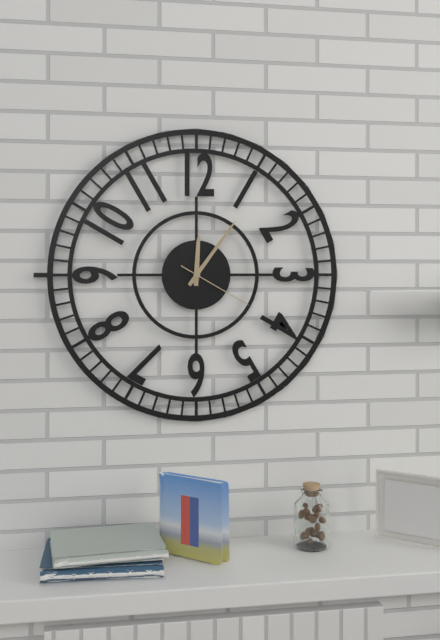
12:06:20
